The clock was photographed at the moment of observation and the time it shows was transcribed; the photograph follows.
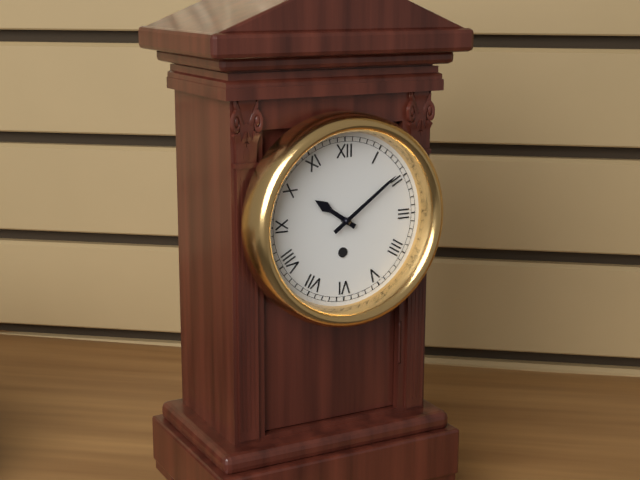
10:09
